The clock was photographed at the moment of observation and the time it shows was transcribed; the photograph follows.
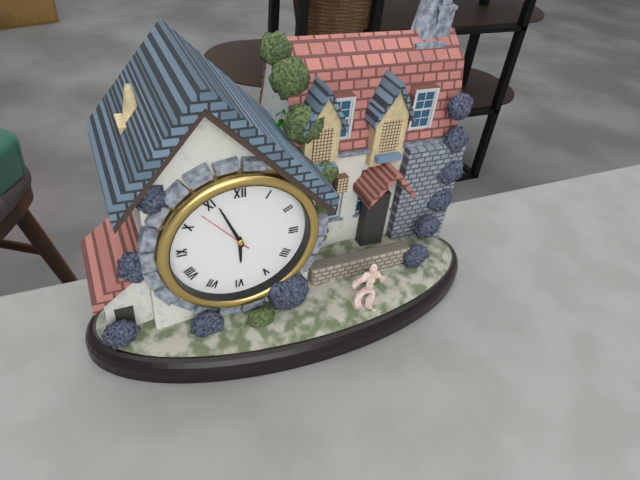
5:56:53
